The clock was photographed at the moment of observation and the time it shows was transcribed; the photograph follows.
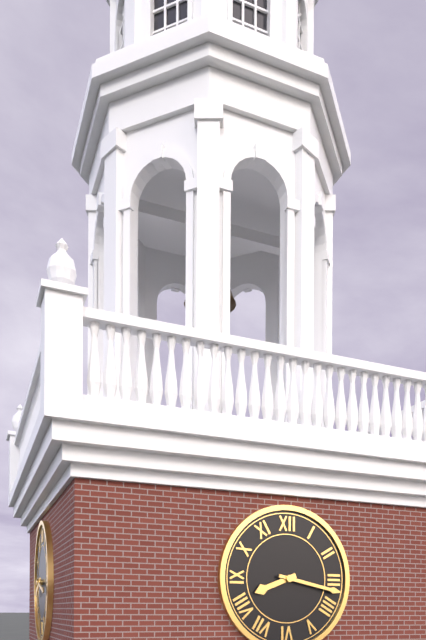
8:17
